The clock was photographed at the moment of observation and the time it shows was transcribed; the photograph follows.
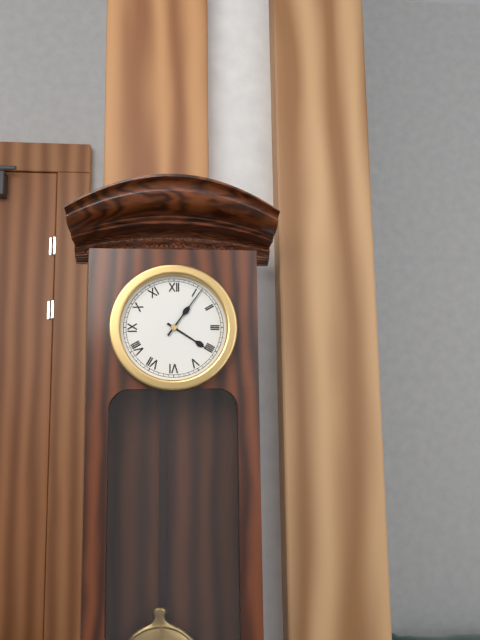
4:06
